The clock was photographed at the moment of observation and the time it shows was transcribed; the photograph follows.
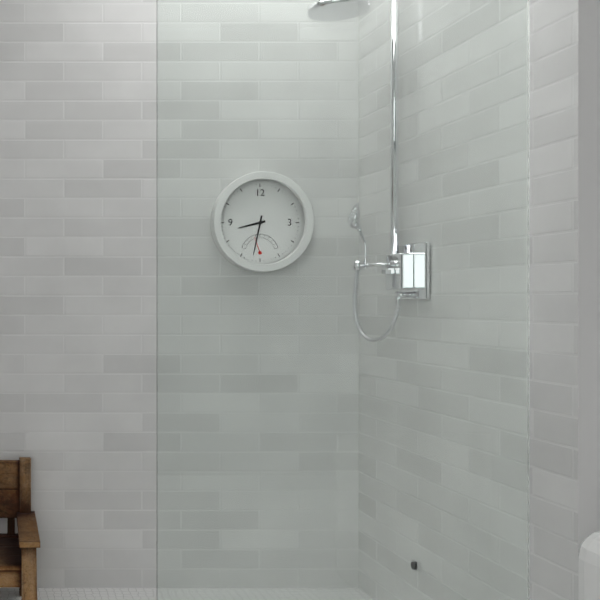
8:32
